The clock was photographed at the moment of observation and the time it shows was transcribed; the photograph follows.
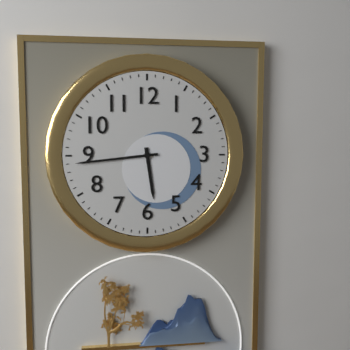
5:44
